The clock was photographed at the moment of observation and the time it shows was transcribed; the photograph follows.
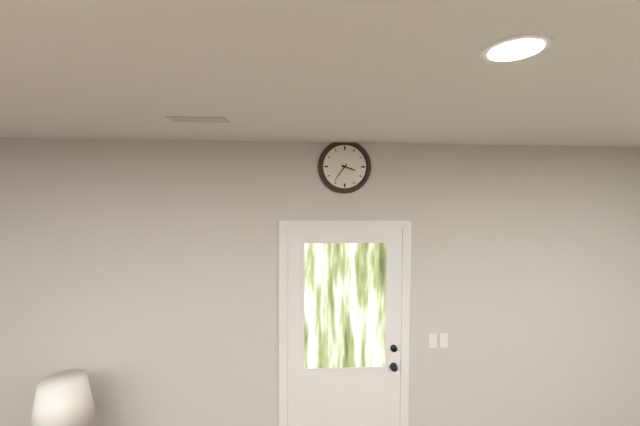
3:36
